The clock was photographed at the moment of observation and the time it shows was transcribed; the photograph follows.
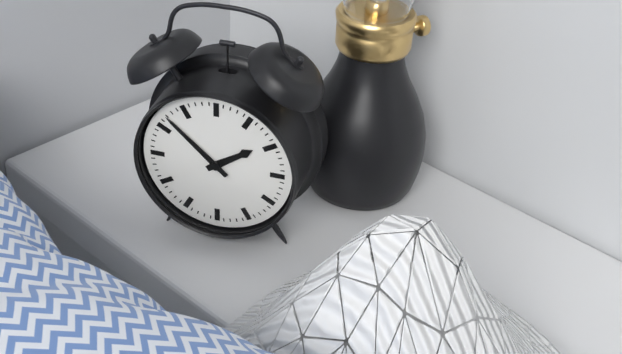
1:52
